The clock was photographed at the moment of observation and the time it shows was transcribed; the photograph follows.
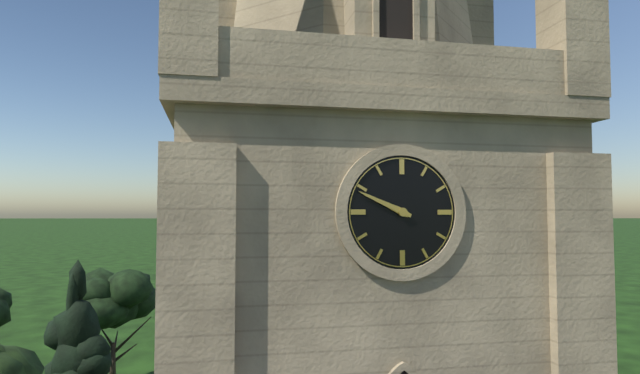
9:49
